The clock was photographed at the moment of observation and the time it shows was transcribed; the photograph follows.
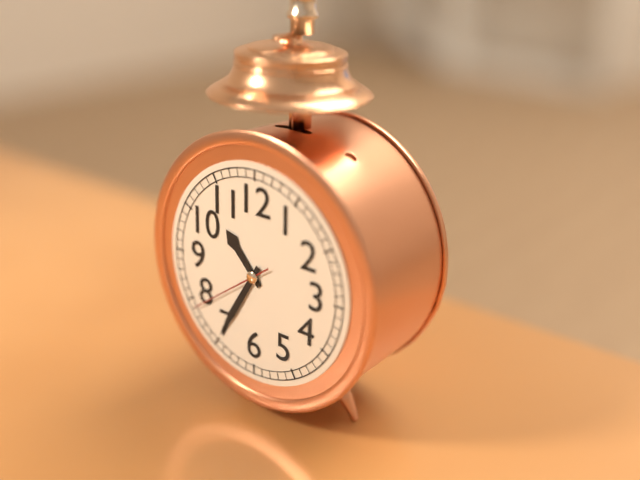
10:35:39
